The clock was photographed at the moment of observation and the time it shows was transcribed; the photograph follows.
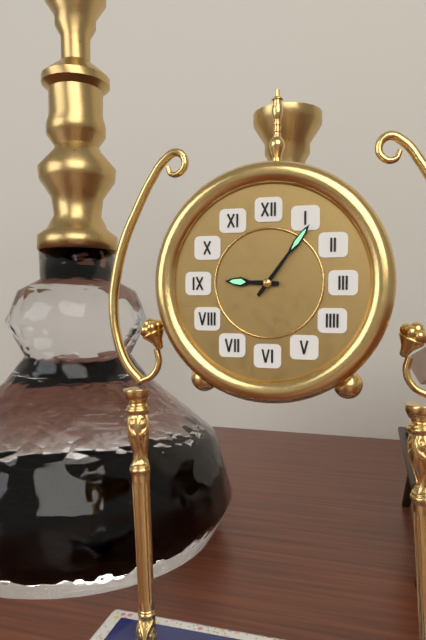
9:06
